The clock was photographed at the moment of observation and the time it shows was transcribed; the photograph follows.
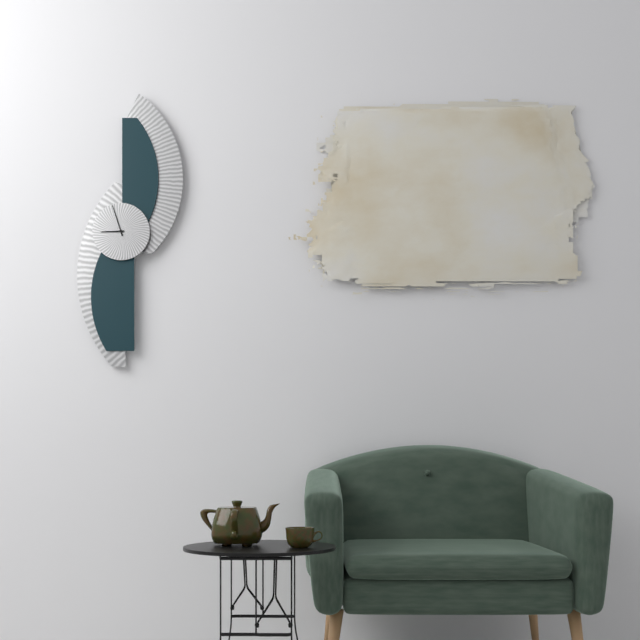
8:57
